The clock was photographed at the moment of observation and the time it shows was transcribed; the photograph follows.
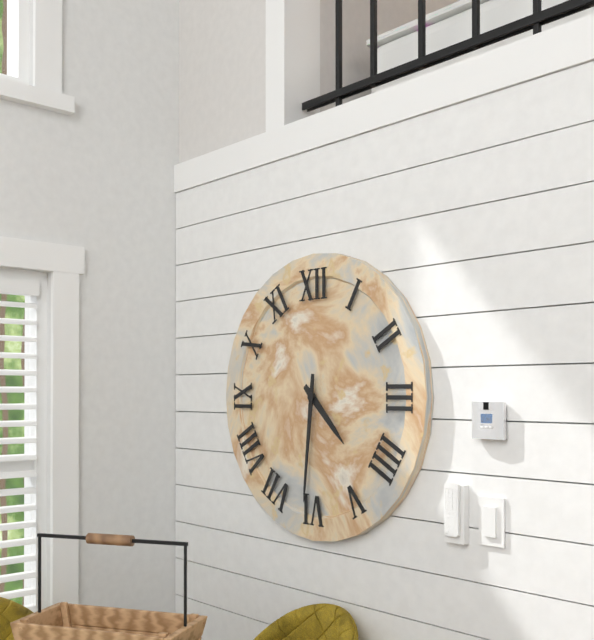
4:31
